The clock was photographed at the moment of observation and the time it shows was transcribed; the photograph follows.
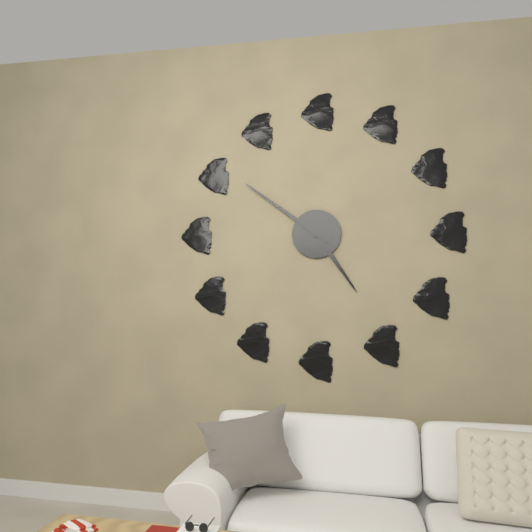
4:51
